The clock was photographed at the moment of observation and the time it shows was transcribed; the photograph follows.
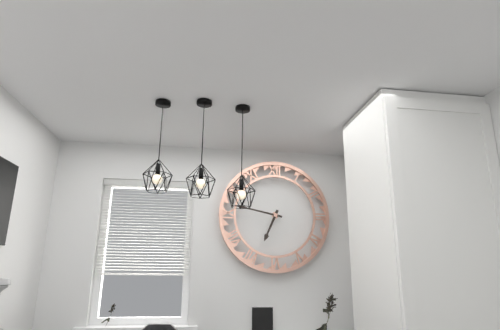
6:47
